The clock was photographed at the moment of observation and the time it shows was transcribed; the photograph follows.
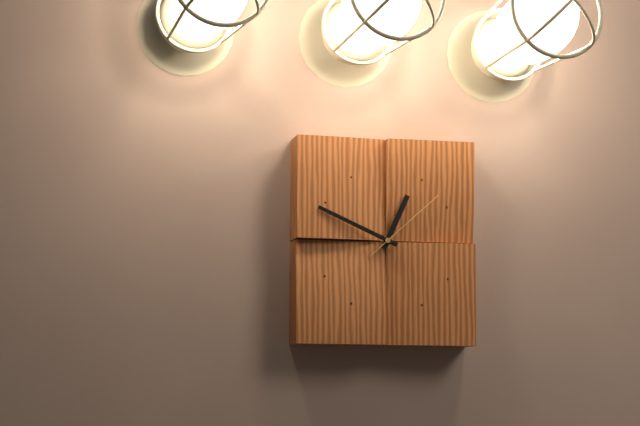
12:49:08
